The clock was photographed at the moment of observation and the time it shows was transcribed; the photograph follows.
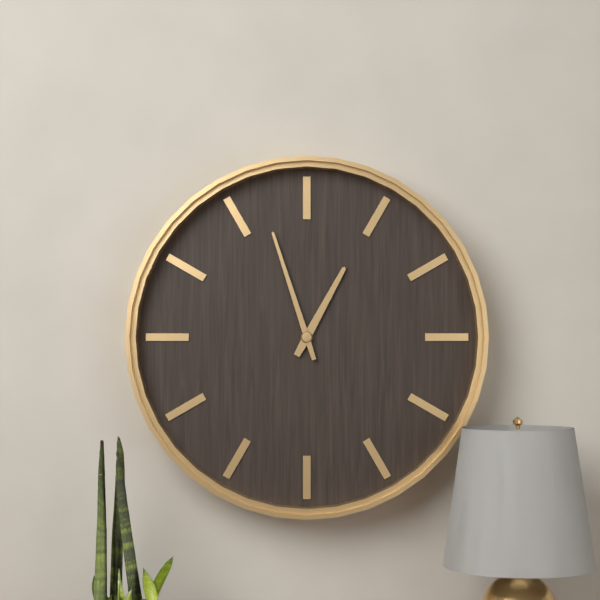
12:57
